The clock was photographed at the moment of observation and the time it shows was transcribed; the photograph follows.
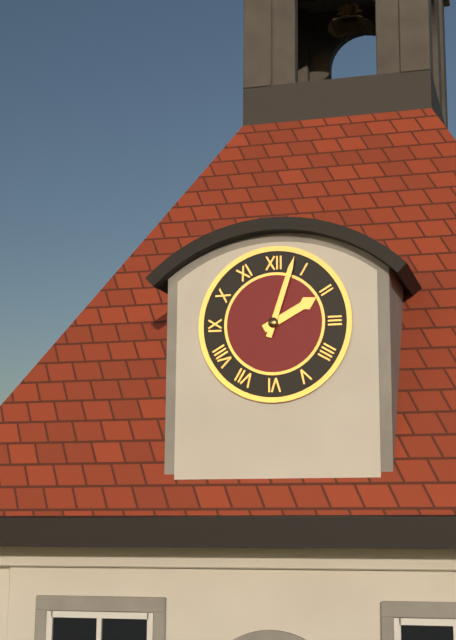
2:03
